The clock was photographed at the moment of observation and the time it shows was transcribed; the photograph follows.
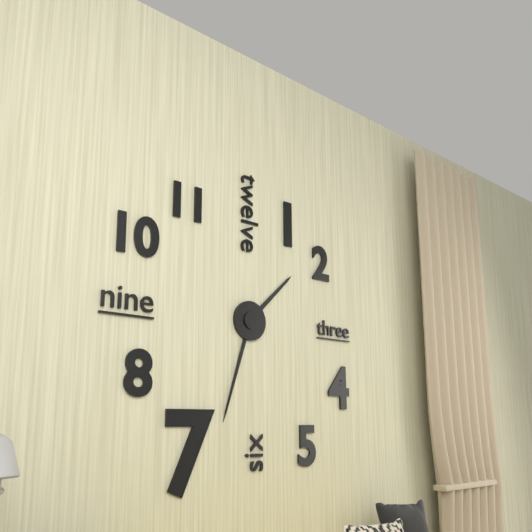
1:33
